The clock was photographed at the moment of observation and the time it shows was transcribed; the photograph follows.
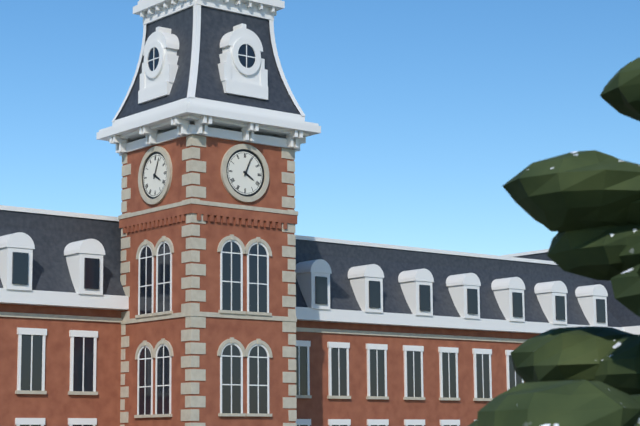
4:04
